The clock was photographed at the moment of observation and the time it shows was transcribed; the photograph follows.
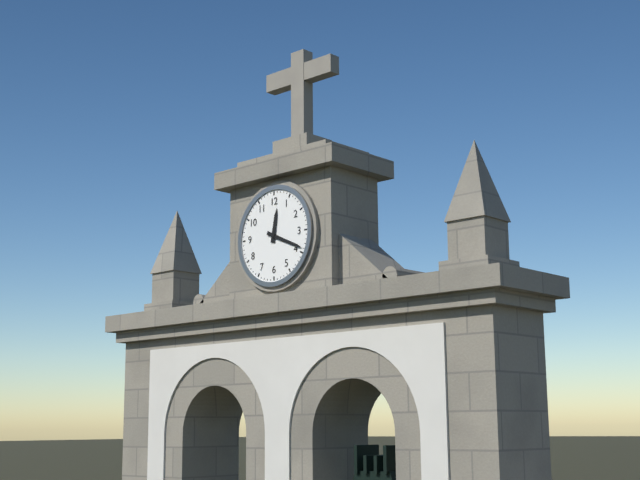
12:19
